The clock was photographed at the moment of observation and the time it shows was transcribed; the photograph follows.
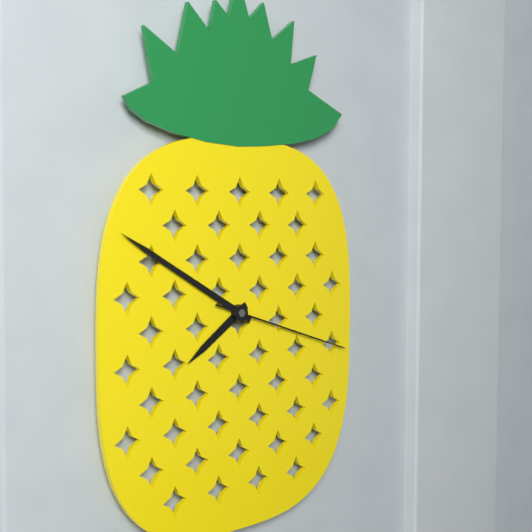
7:50:18
